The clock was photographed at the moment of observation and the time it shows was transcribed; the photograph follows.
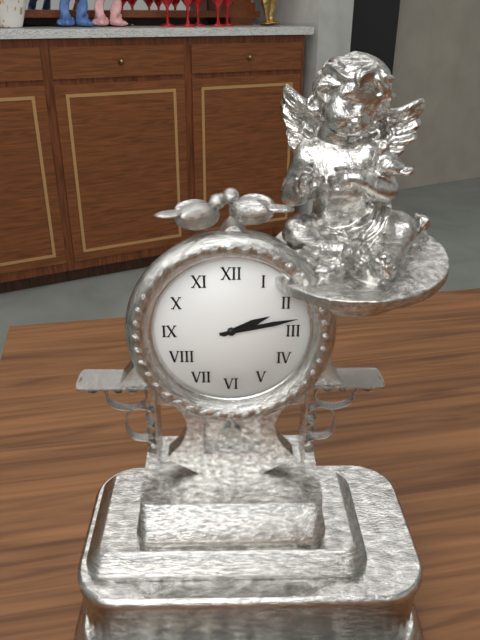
2:13
